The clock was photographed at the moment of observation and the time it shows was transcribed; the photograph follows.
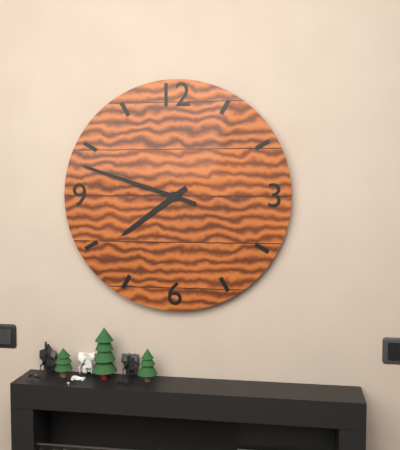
7:48
